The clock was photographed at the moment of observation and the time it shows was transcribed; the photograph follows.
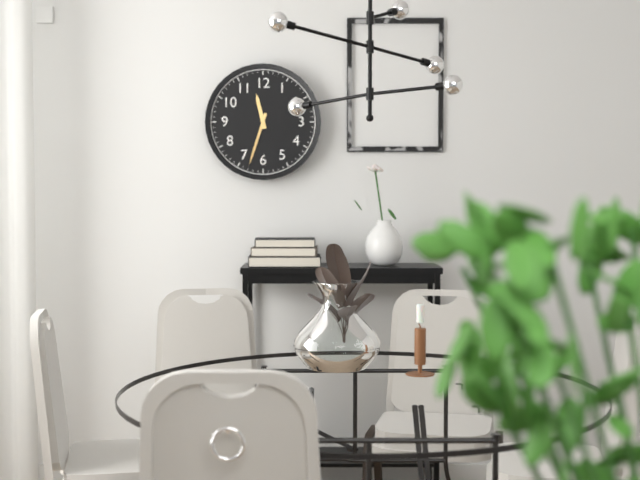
11:33
